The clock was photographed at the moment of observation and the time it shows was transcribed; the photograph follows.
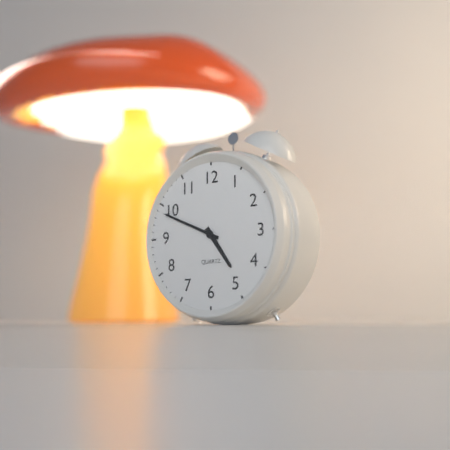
4:49
